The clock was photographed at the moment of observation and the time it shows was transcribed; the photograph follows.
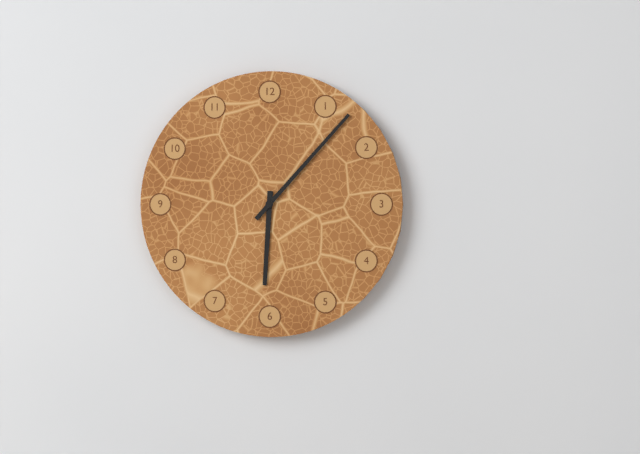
6:07
